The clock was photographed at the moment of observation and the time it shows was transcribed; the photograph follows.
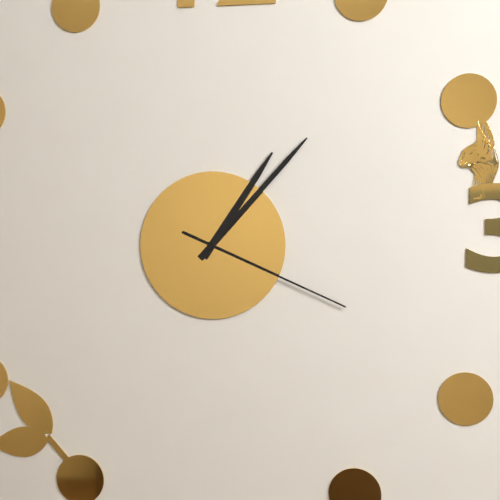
1:07:19
